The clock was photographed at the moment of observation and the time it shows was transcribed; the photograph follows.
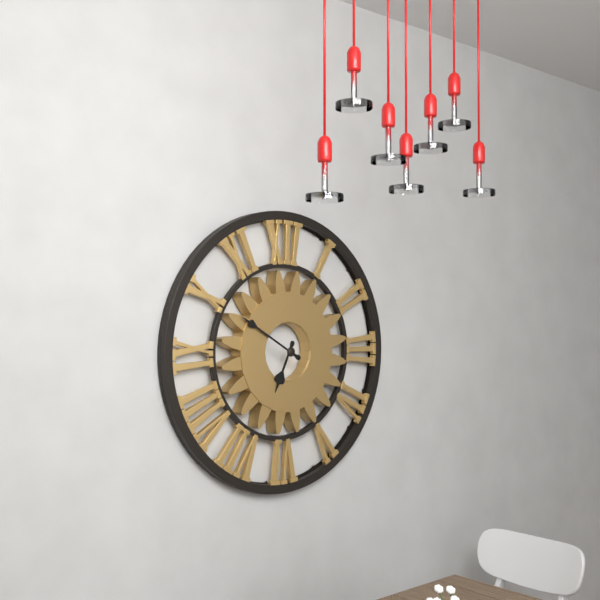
6:50
